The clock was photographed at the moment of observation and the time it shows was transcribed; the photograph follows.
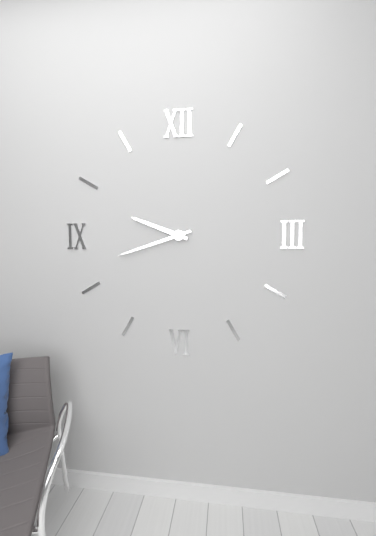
9:42
